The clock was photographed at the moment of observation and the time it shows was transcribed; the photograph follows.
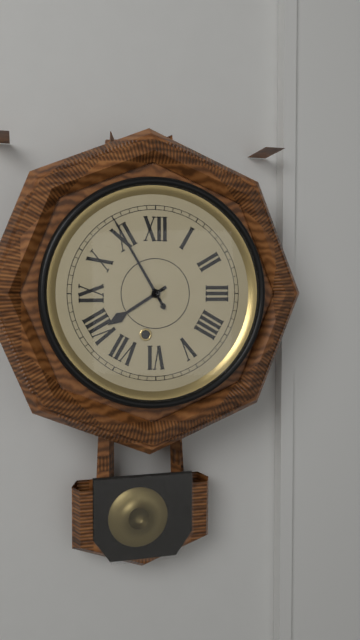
7:55
